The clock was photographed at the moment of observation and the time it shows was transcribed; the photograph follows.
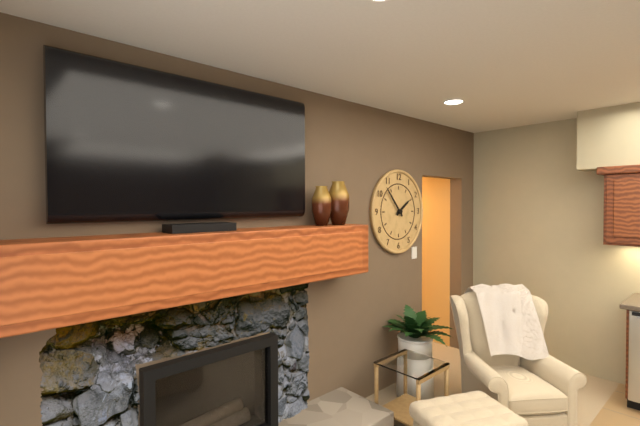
1:53
